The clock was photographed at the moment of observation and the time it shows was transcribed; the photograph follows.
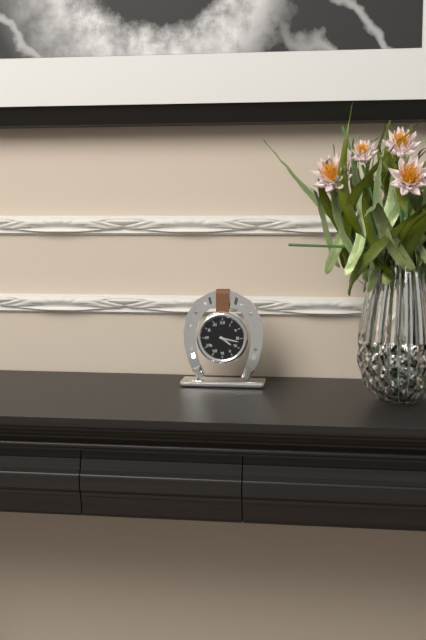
4:17
